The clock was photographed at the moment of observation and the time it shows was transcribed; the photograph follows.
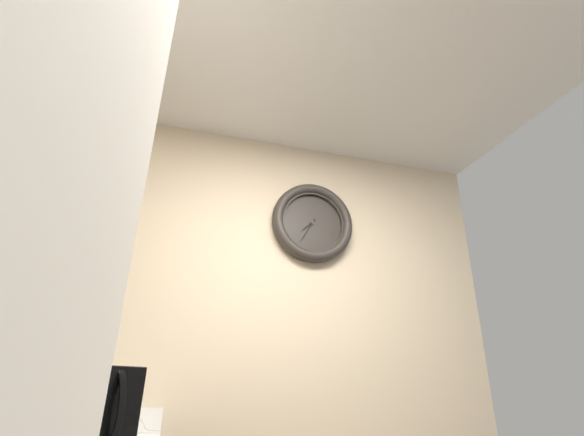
7:35
